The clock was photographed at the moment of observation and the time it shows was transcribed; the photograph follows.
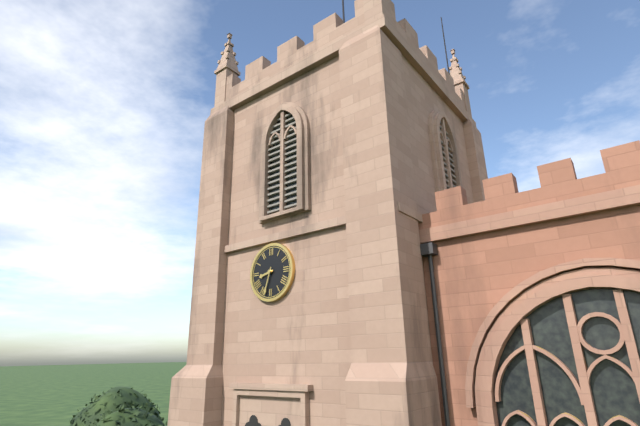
8:33
